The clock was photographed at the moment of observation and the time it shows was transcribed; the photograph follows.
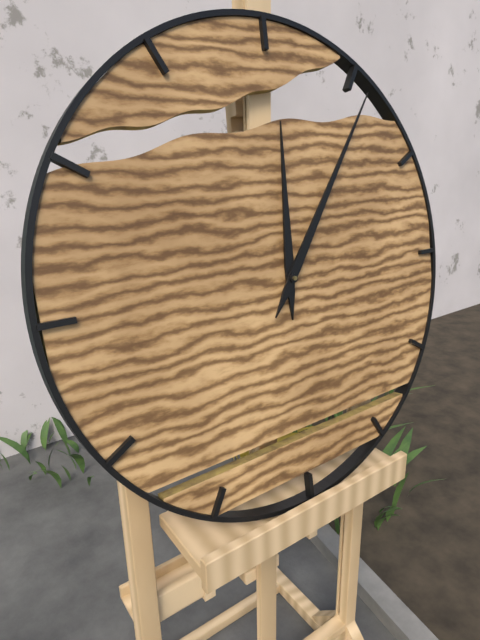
12:06
